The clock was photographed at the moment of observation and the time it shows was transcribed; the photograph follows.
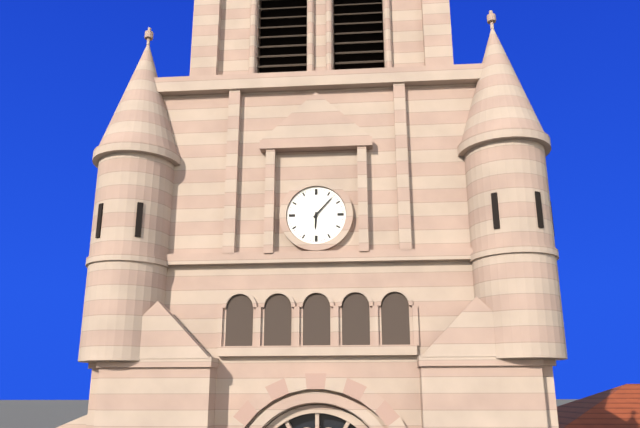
6:07
